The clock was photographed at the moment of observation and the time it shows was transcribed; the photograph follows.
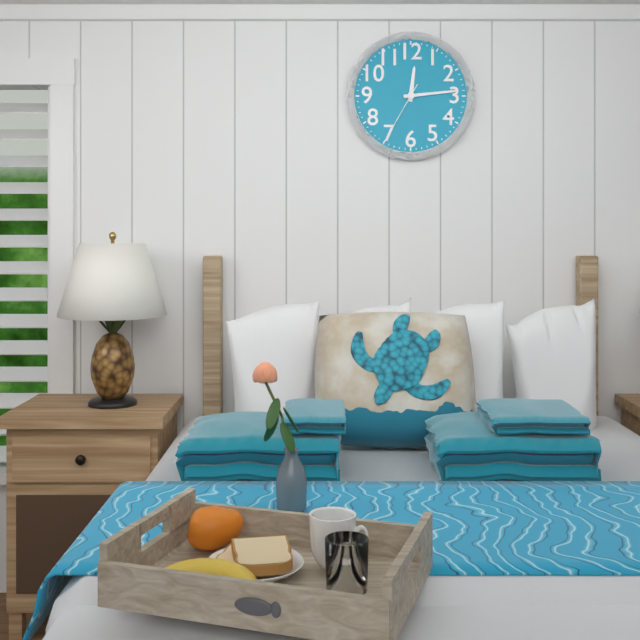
12:14:35
